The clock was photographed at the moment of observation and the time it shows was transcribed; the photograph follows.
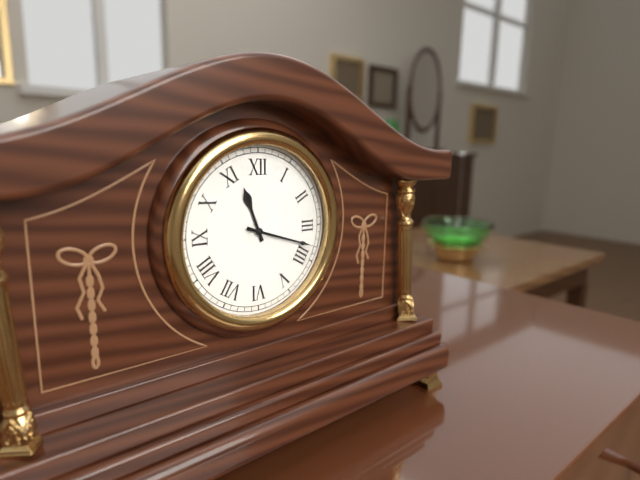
11:18
